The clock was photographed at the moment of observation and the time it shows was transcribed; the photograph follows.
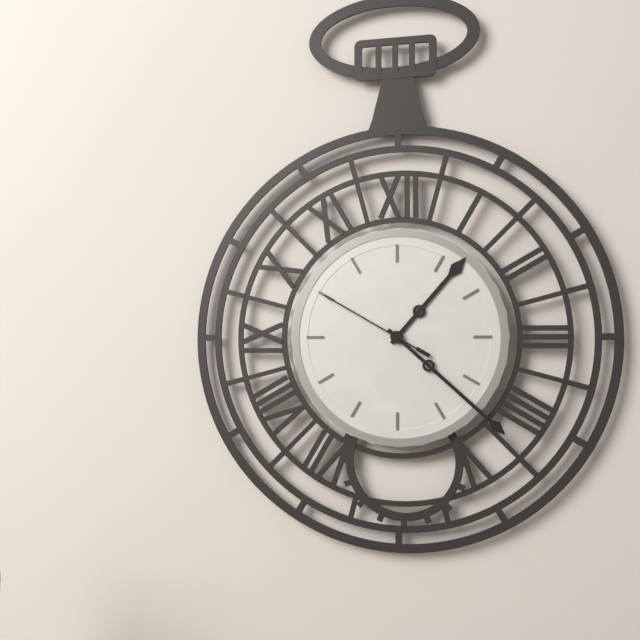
1:22:50
